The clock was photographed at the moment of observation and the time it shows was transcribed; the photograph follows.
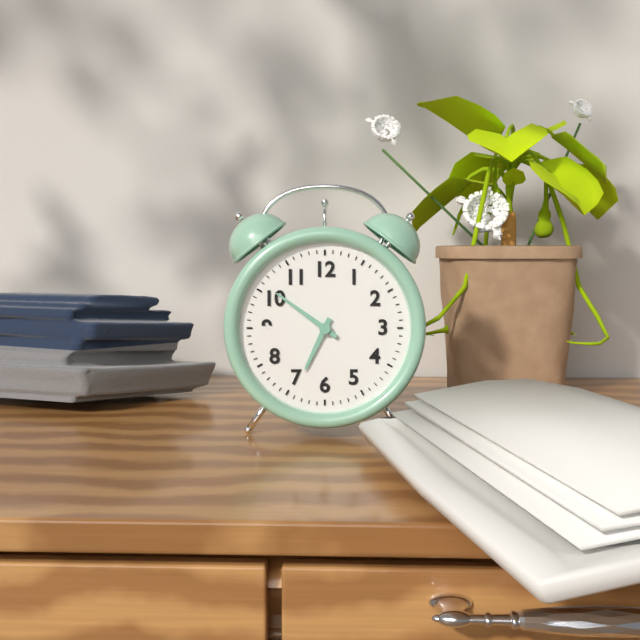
6:51
